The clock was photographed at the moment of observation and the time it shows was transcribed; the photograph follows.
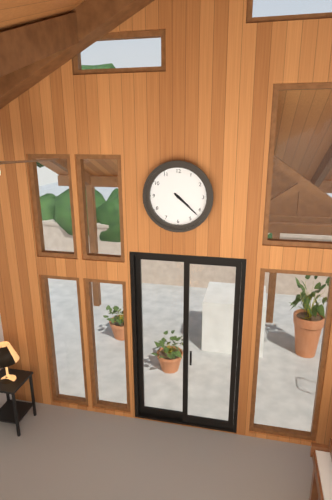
4:22
